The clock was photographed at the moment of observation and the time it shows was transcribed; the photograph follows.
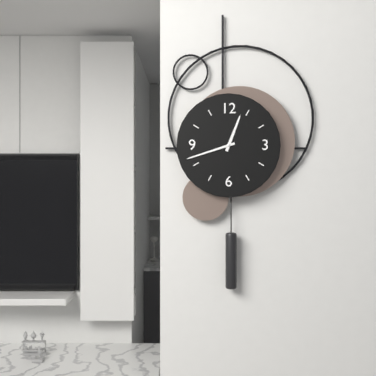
12:42
